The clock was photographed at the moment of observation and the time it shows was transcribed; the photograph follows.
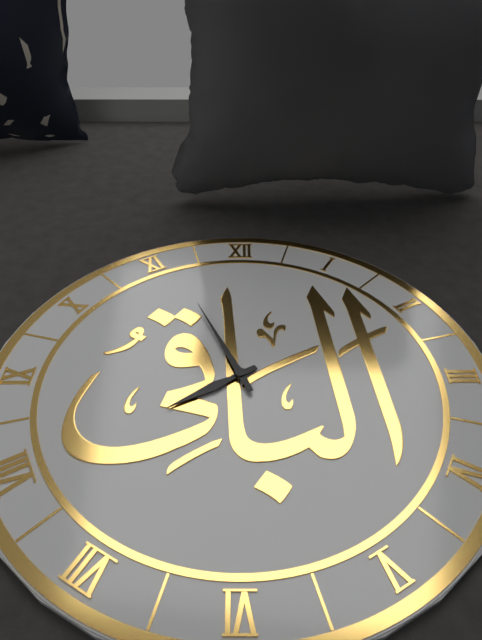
7:56
